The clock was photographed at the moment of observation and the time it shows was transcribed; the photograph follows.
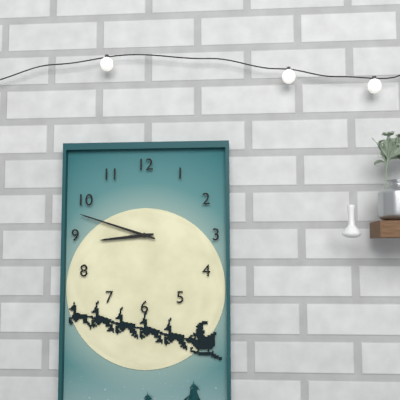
8:48
